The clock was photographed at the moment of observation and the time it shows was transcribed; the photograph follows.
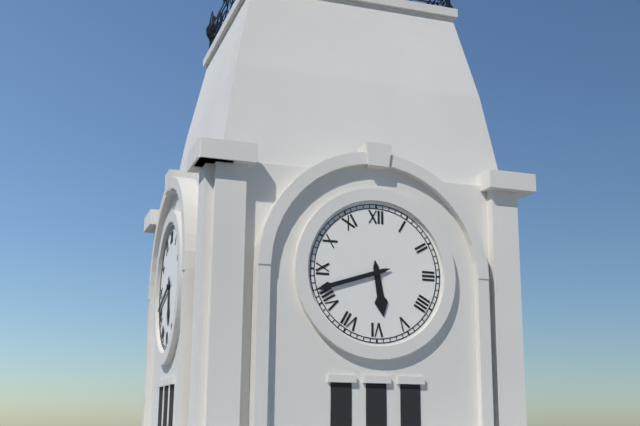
5:42
